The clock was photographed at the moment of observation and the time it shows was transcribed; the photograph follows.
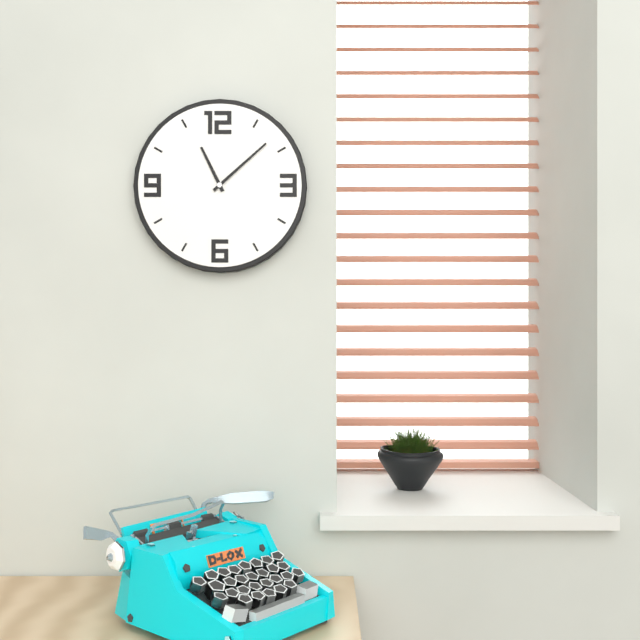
11:08
